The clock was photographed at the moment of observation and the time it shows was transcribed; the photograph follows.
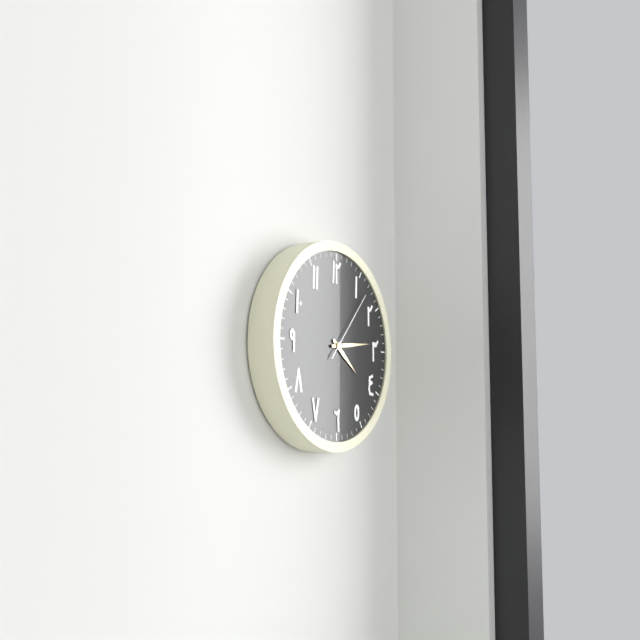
4:14:07
